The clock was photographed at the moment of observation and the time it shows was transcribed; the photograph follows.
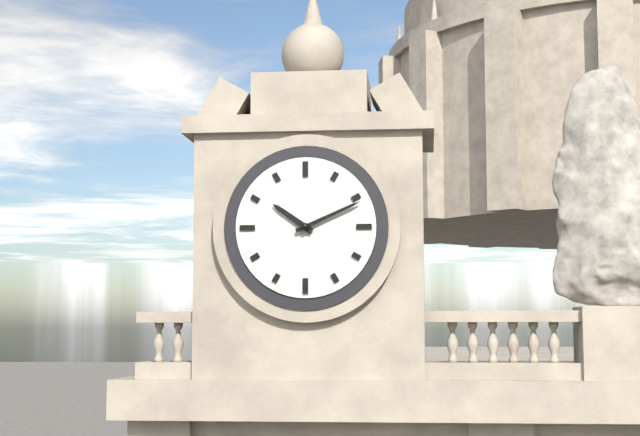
10:11
